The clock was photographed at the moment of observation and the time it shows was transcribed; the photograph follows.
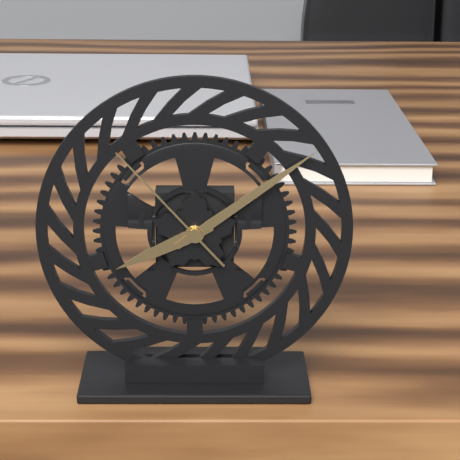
8:09:53
